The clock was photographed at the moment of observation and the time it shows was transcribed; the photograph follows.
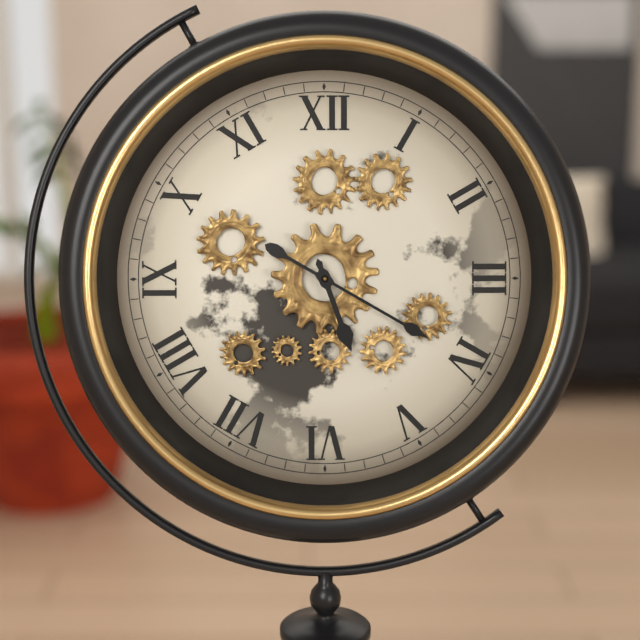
5:20
